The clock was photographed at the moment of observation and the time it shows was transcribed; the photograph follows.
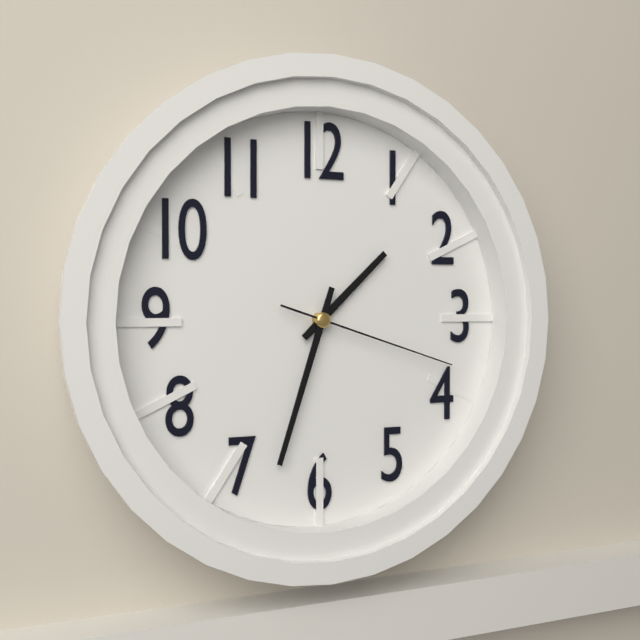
1:33:18
